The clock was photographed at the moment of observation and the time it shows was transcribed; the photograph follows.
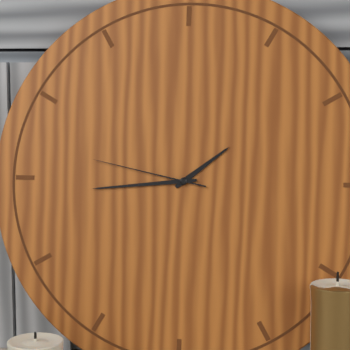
1:44:47
